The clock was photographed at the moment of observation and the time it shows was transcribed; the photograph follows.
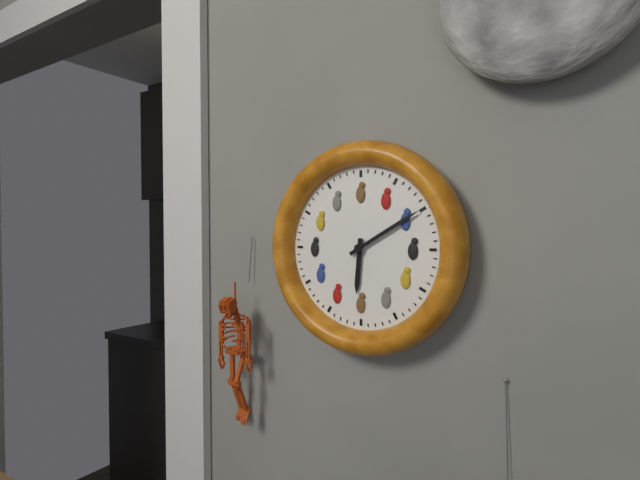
6:10
